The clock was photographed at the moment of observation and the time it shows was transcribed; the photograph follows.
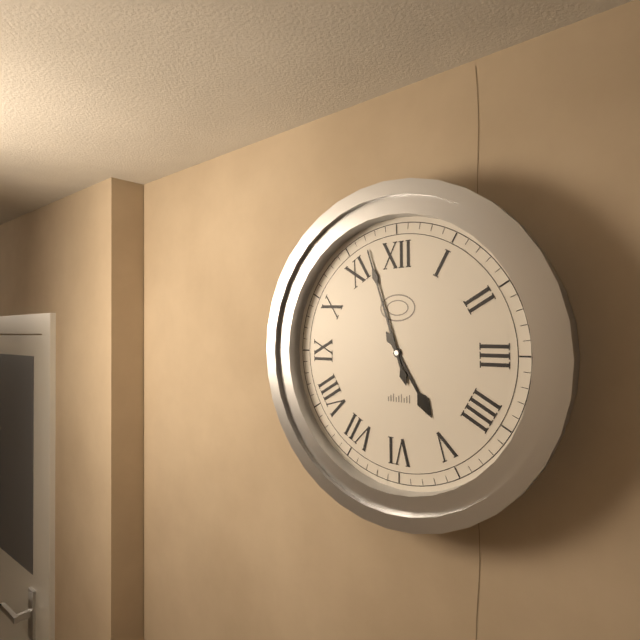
4:57
